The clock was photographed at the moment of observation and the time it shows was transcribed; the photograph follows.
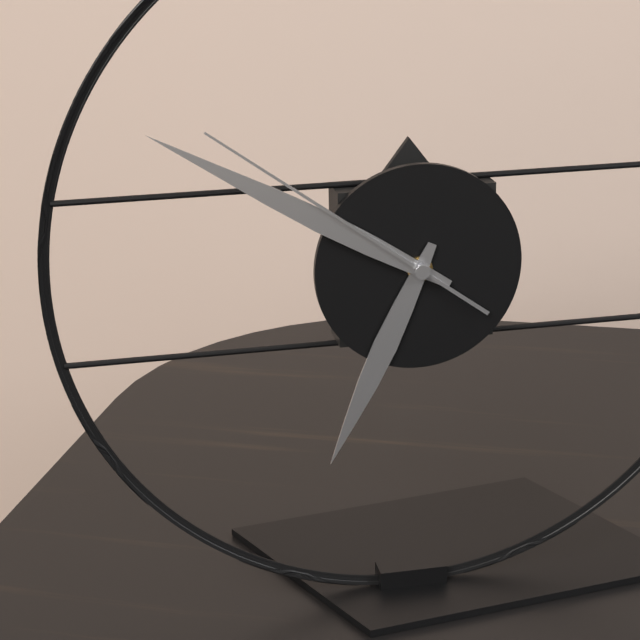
6:50:51
